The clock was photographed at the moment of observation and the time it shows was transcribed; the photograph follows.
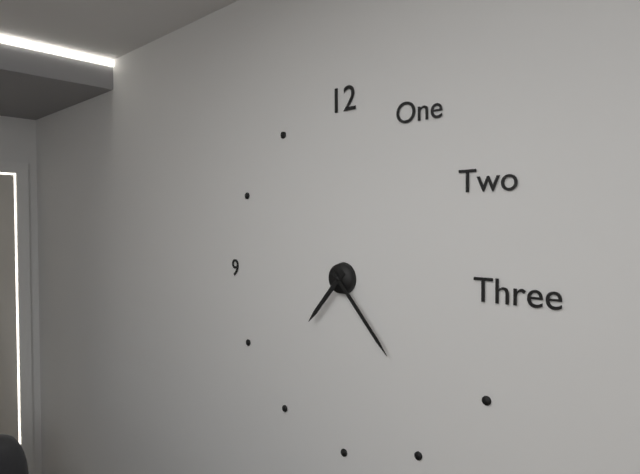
7:23
